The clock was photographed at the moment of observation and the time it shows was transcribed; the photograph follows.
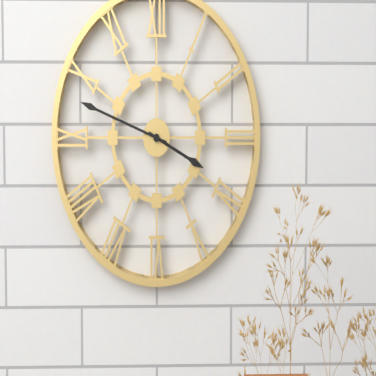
3:48
